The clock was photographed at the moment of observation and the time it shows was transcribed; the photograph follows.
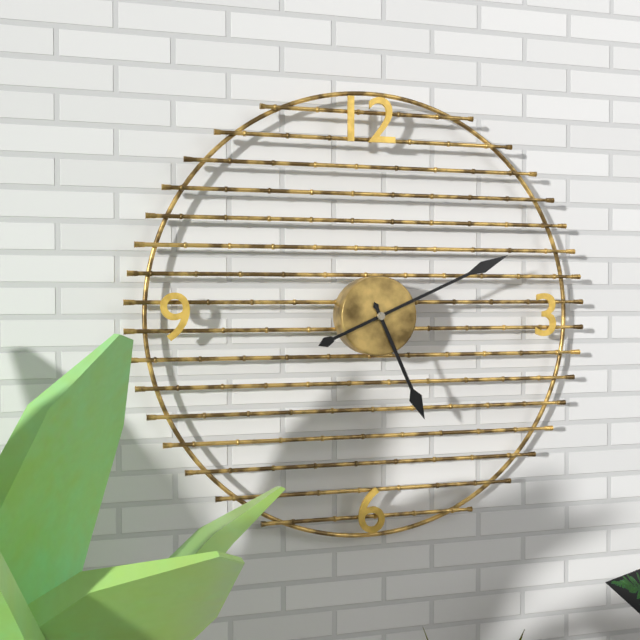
5:11
